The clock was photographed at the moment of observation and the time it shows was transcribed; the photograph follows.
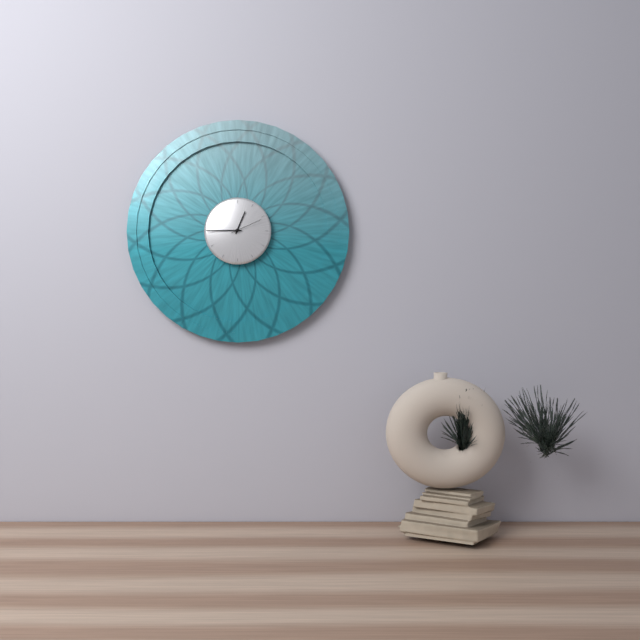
12:45
